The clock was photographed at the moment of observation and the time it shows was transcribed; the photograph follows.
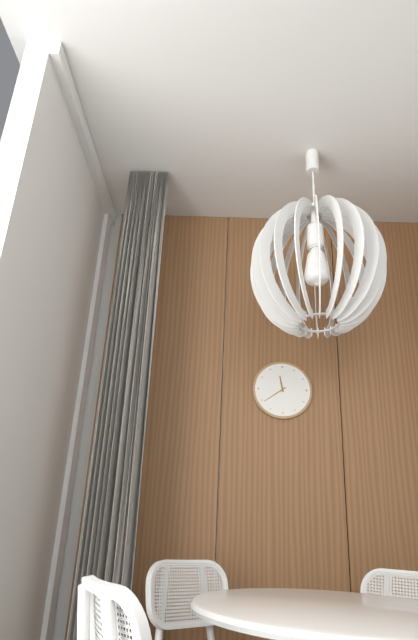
11:39
